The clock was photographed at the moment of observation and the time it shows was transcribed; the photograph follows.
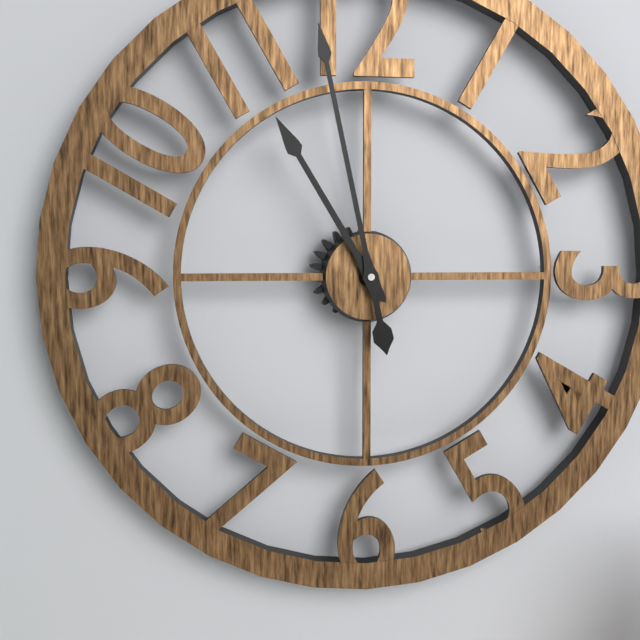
10:58
